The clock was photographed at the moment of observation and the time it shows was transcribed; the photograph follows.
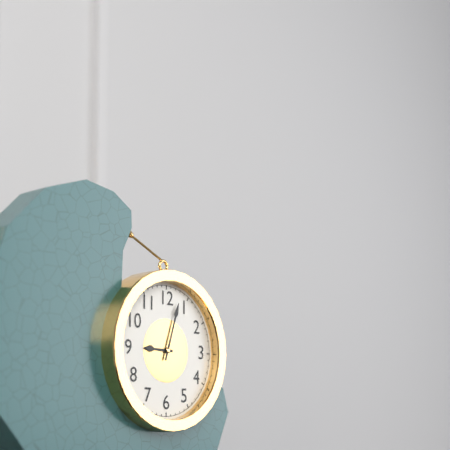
9:03
